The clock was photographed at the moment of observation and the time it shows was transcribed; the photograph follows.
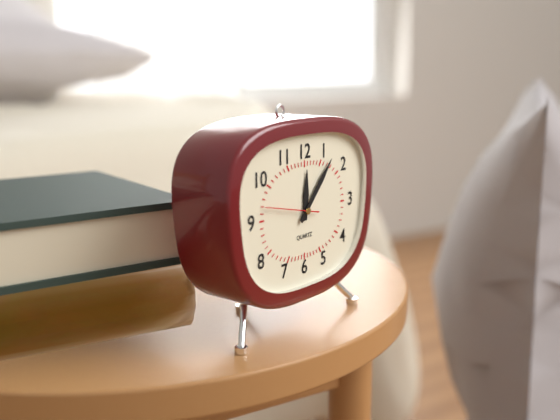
12:07:47
